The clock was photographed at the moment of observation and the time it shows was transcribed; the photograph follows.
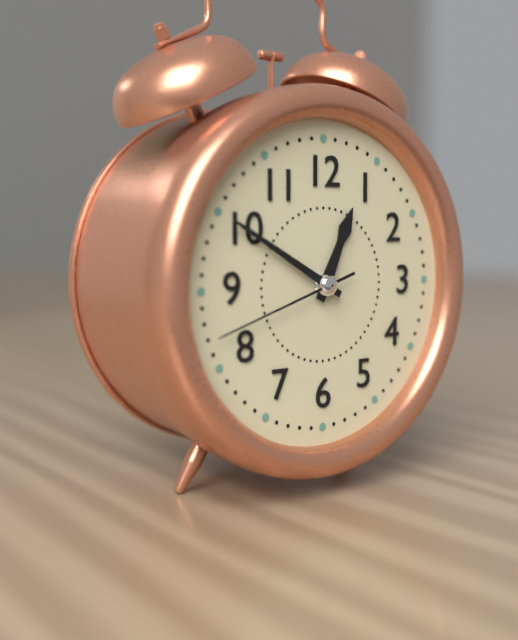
12:50:42
